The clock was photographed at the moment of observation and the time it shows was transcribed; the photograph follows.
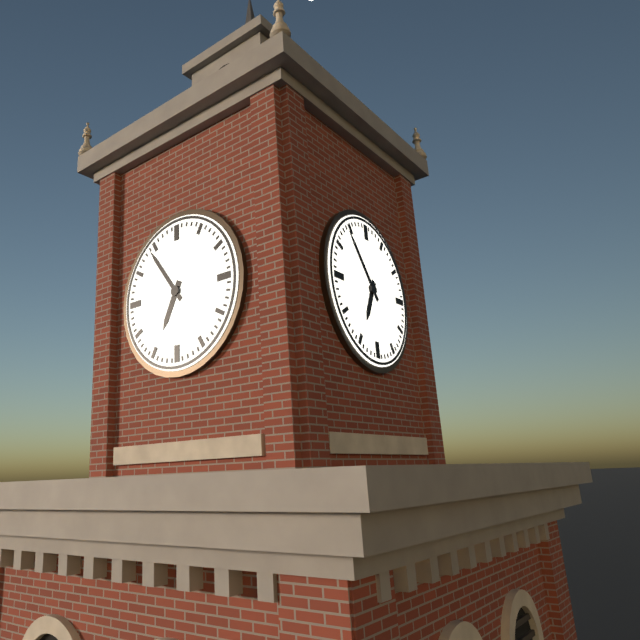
6:54
